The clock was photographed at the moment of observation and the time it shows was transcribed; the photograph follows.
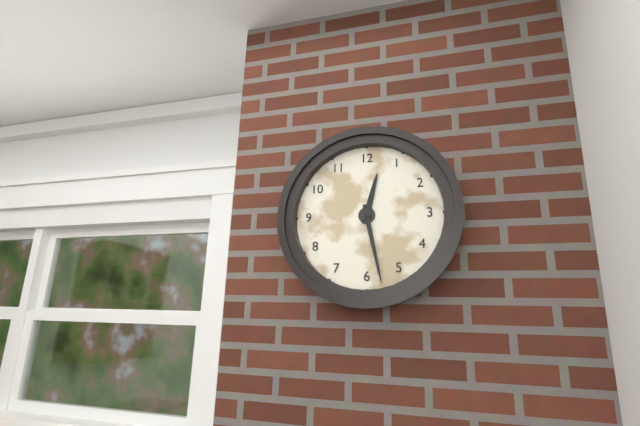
12:28
